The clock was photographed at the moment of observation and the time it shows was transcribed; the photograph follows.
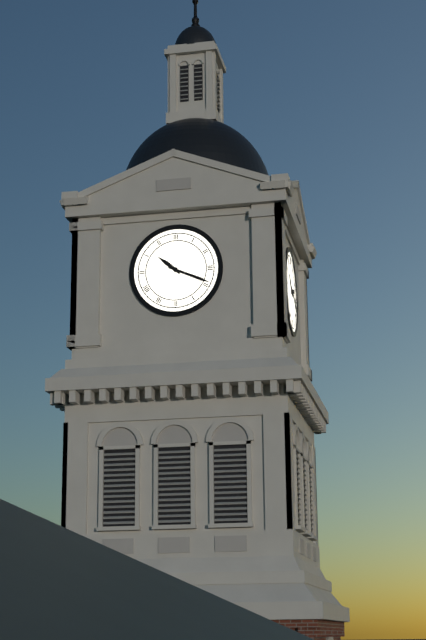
10:19
